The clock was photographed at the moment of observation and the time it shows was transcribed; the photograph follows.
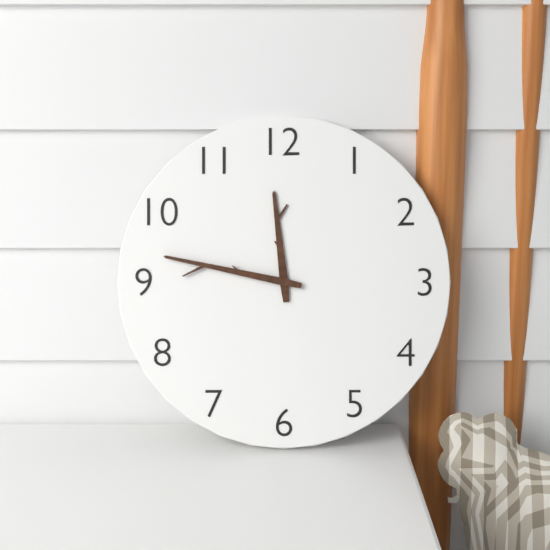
11:47
